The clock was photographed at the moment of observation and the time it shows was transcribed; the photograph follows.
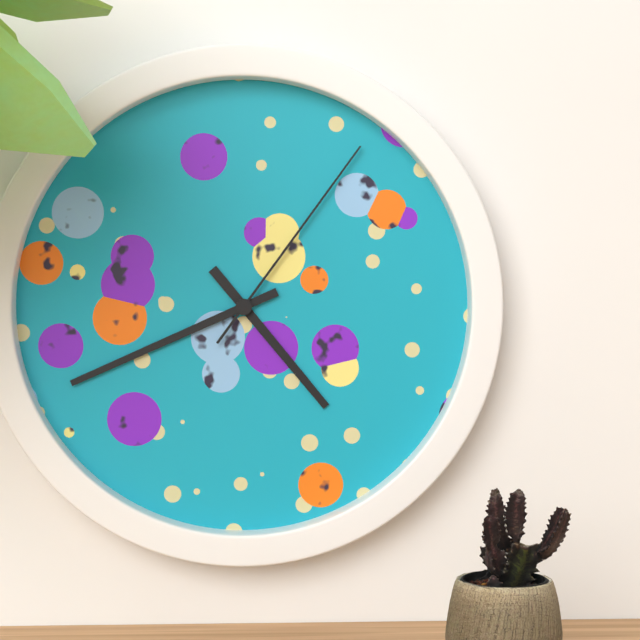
4:41:06
